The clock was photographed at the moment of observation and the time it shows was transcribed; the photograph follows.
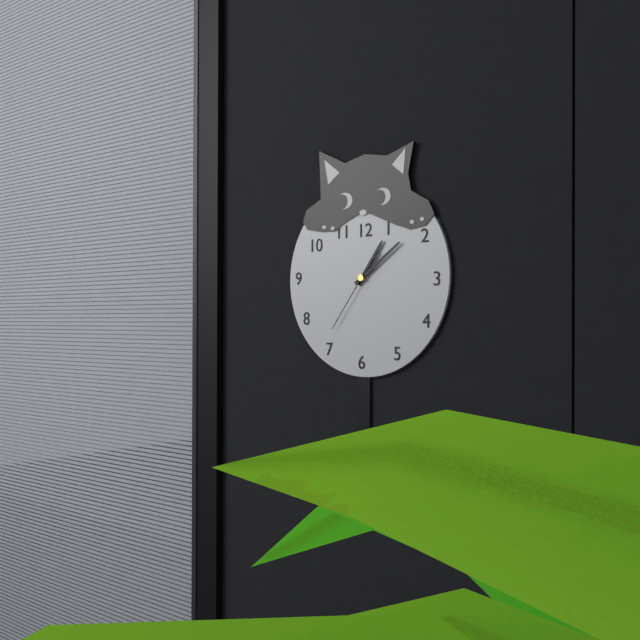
1:09:36
